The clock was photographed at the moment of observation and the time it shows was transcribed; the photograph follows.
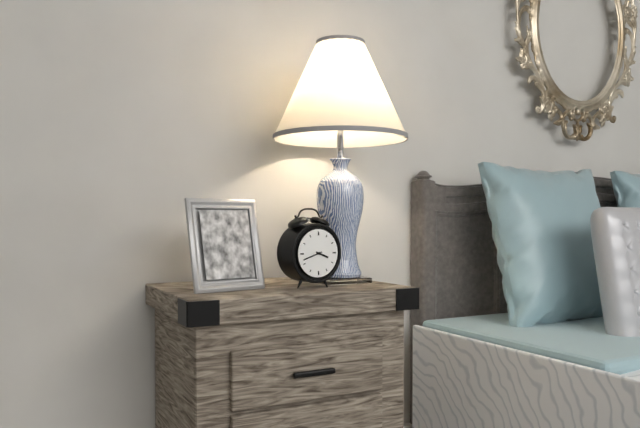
3:42
